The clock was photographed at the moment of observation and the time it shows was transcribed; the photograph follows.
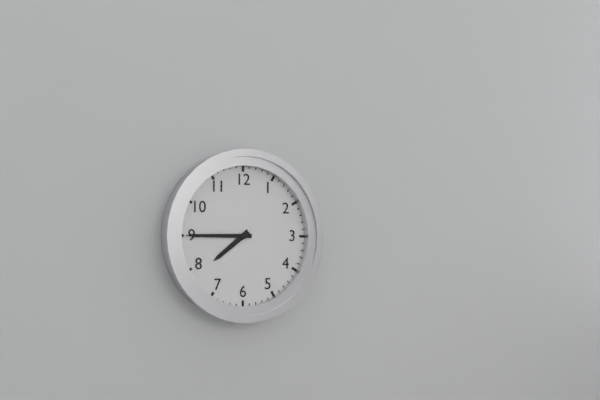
7:45
